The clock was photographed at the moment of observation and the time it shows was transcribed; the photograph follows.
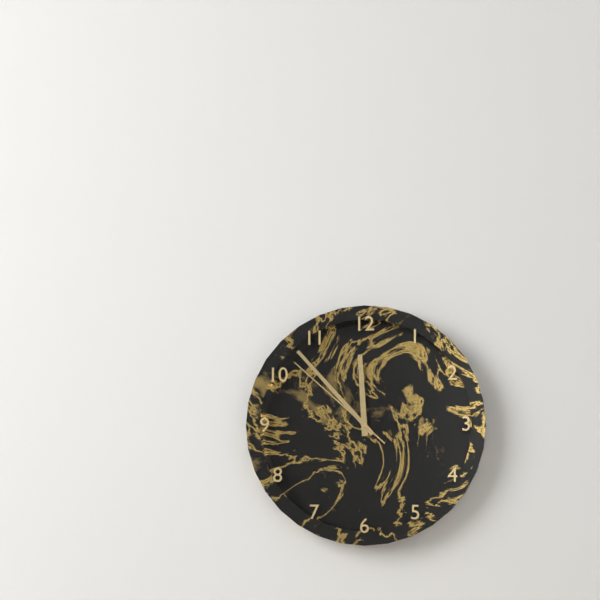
11:53:52
